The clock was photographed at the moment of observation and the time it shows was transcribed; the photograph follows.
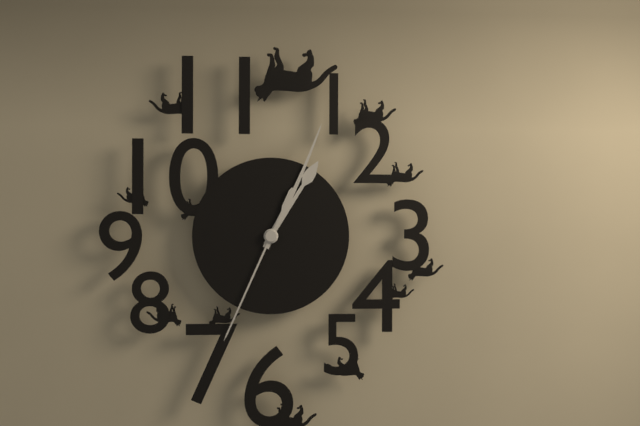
1:04:34
